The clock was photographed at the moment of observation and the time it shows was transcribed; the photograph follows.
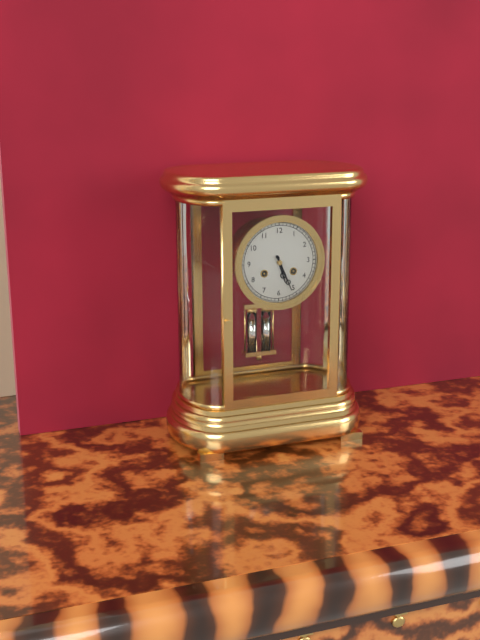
5:26
